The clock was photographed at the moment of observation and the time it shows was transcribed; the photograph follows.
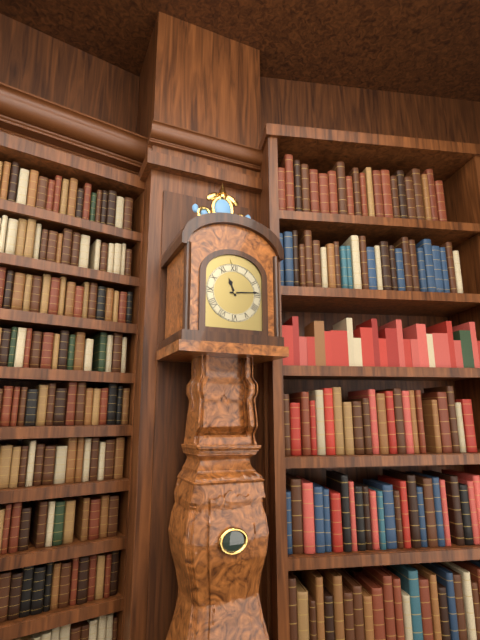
11:14
